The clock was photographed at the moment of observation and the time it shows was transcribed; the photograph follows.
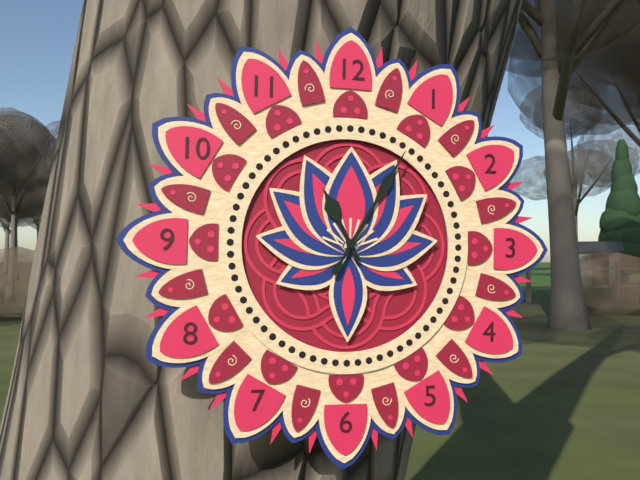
11:05
